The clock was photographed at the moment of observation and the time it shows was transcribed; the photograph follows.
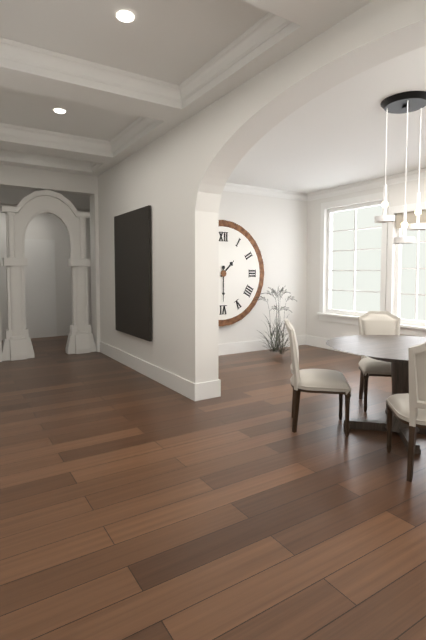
1:30
